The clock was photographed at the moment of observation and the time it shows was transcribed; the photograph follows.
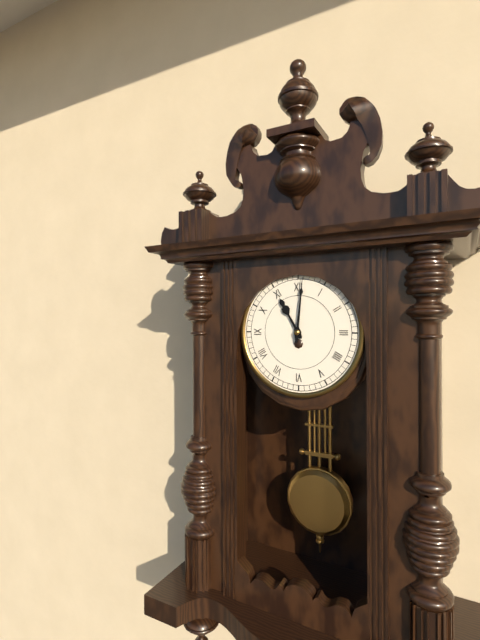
11:01
